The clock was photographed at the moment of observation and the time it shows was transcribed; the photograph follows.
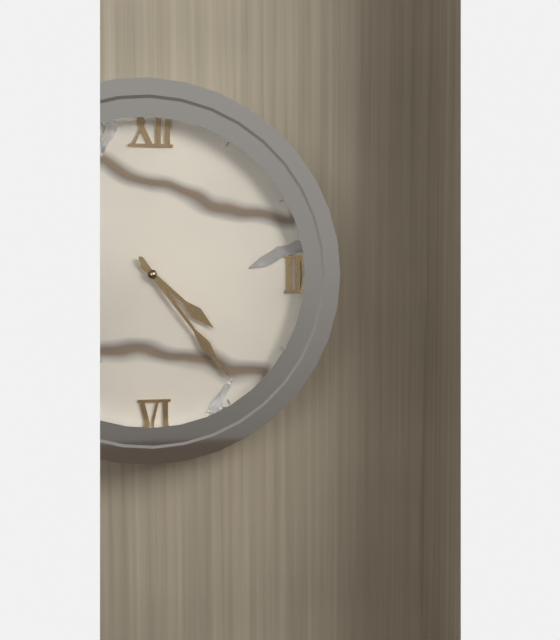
4:24
